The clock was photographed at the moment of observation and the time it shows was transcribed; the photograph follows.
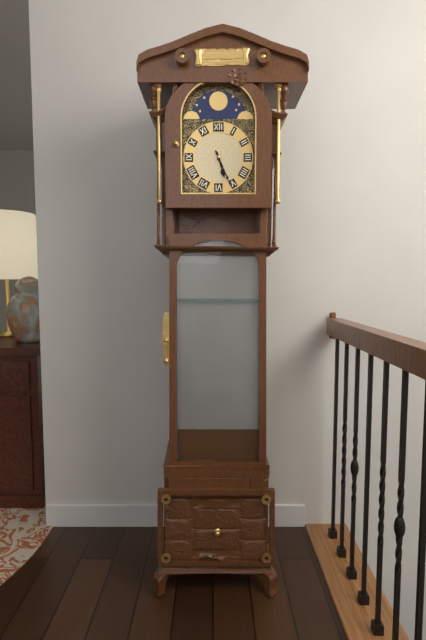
5:26
